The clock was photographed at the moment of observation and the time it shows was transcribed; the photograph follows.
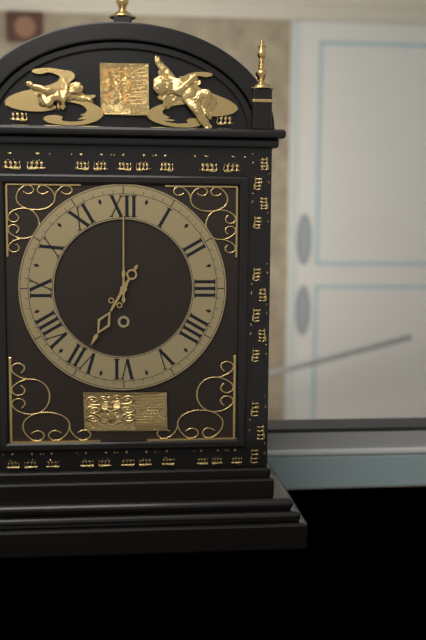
7:00
